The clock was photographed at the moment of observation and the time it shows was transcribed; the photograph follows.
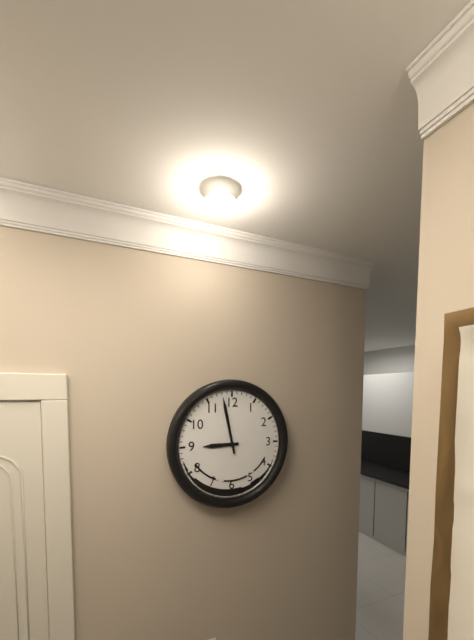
8:58
